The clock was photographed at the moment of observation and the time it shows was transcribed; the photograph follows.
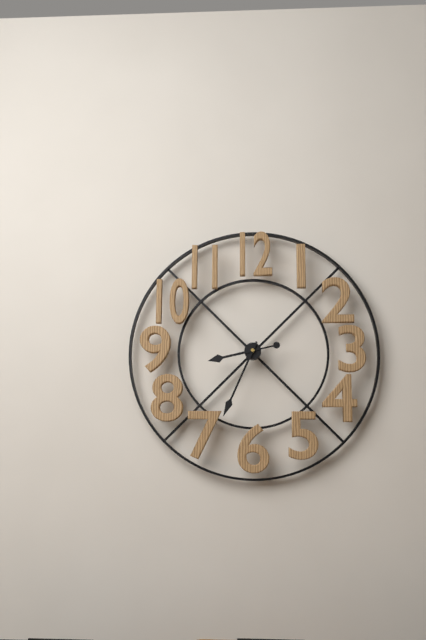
8:34
